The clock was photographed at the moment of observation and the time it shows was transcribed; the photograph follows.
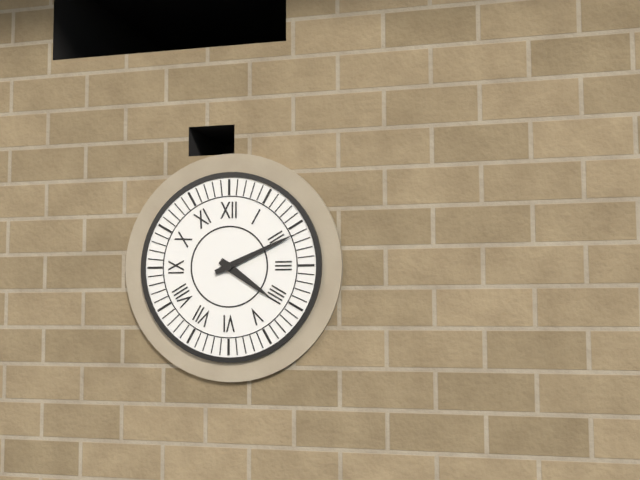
4:11
